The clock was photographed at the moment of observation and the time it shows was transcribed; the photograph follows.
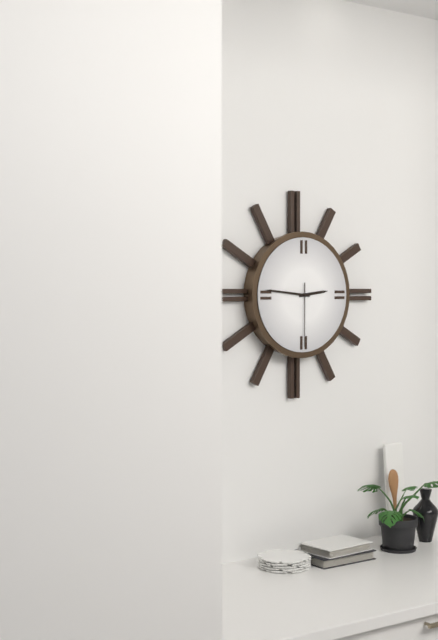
2:46:30
